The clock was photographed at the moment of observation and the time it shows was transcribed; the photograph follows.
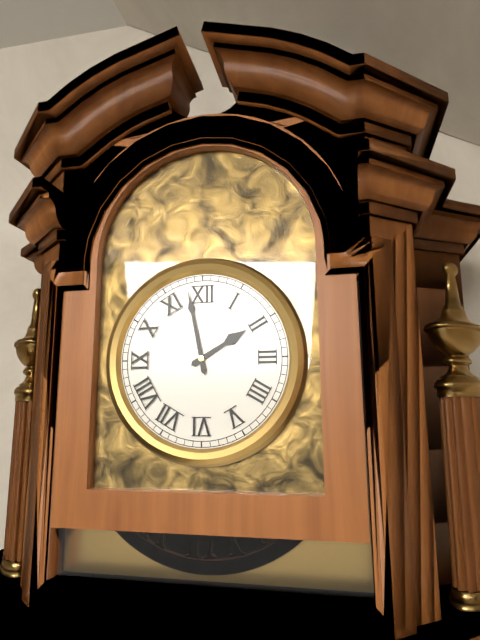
1:58
